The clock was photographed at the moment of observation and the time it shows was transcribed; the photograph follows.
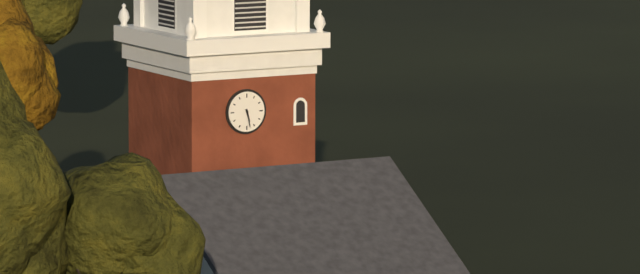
5:28
